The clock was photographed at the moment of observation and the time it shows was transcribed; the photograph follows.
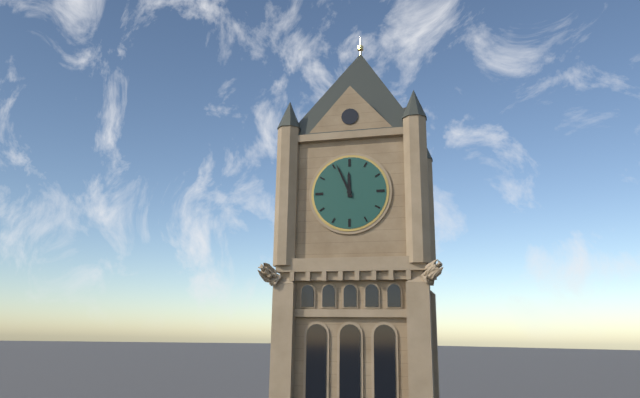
11:56
